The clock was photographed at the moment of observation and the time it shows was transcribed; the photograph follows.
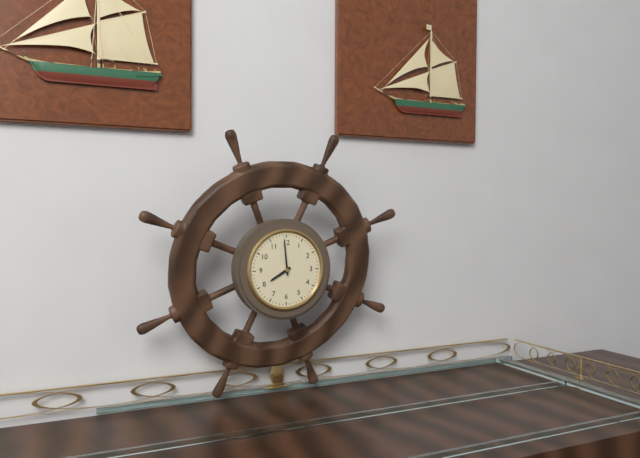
7:59
